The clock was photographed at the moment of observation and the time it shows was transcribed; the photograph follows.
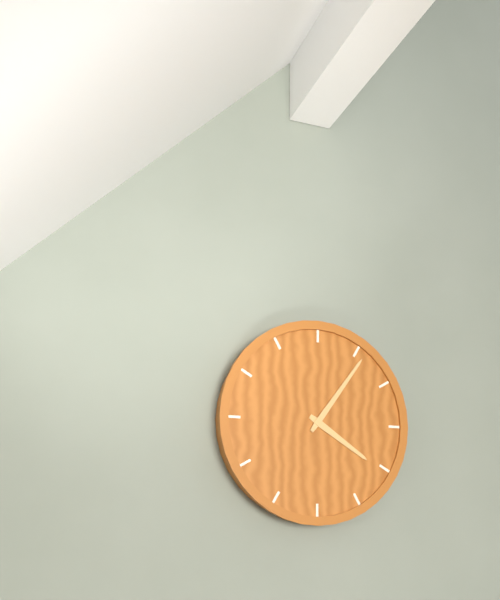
4:06
